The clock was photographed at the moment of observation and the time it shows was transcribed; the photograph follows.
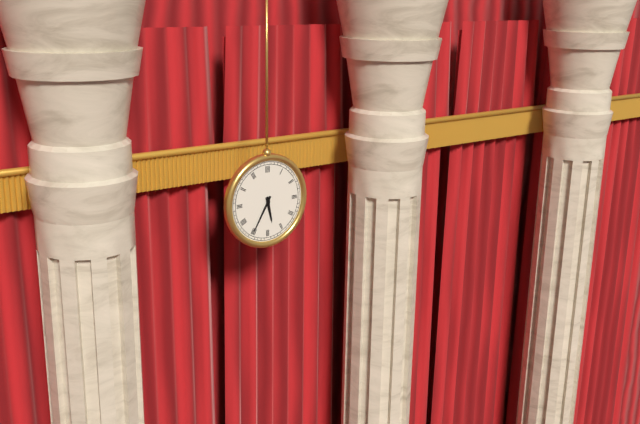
5:35
